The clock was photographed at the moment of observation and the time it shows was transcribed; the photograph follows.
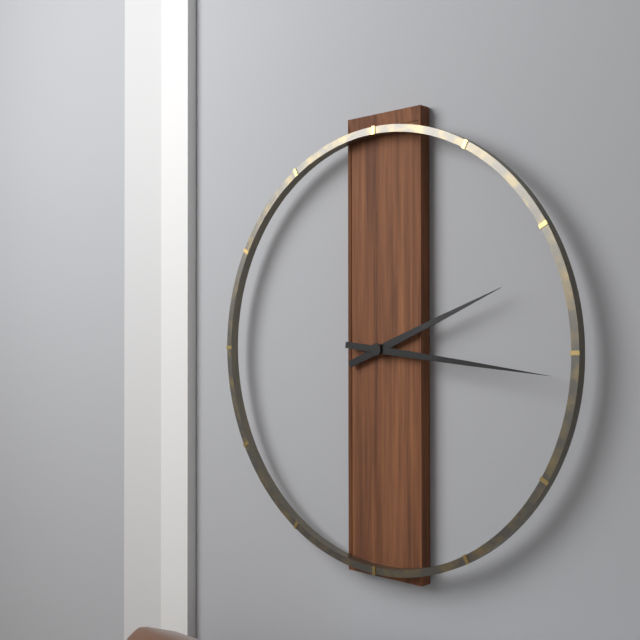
2:16
